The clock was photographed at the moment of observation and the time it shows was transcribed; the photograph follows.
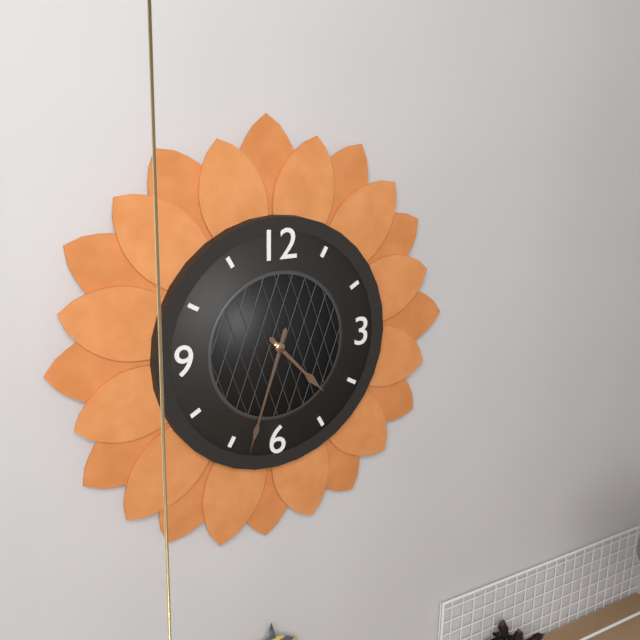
4:33
